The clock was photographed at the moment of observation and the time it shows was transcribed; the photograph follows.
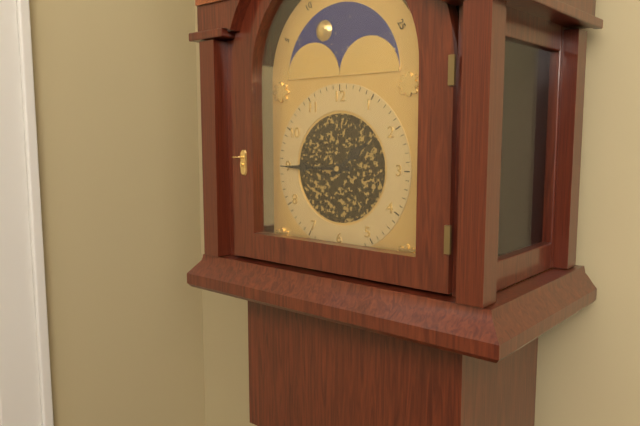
1:45
